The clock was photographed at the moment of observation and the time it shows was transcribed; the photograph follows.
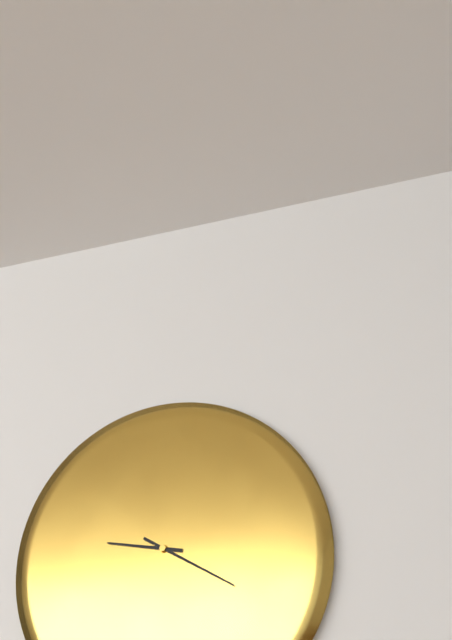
9:20
